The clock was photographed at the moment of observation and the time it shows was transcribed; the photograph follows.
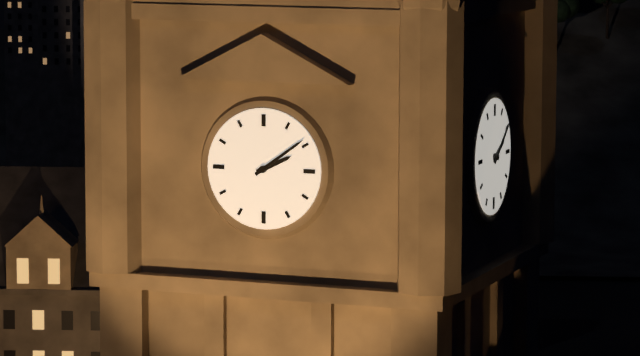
2:09
